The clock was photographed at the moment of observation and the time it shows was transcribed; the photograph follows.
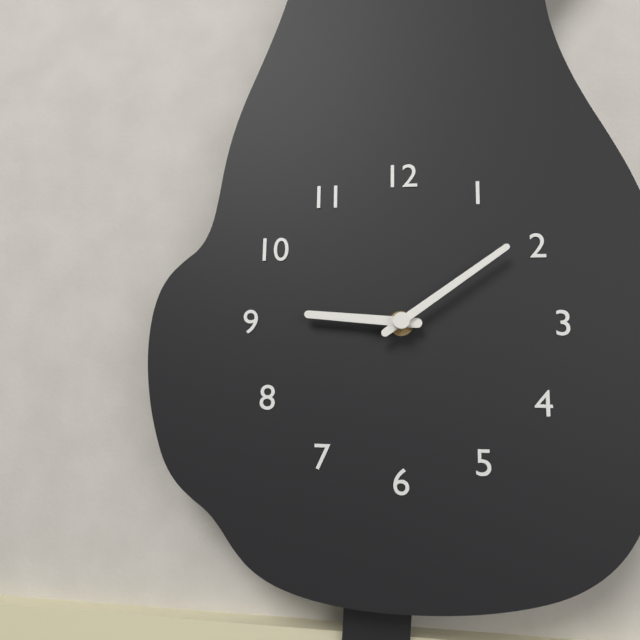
9:09
